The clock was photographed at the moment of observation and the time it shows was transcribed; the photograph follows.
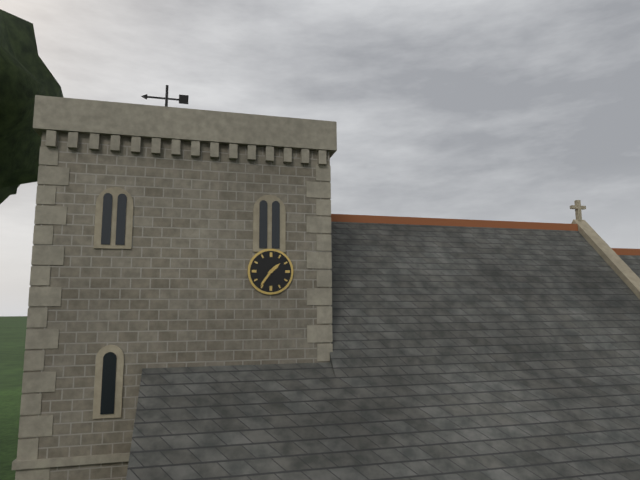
1:36
